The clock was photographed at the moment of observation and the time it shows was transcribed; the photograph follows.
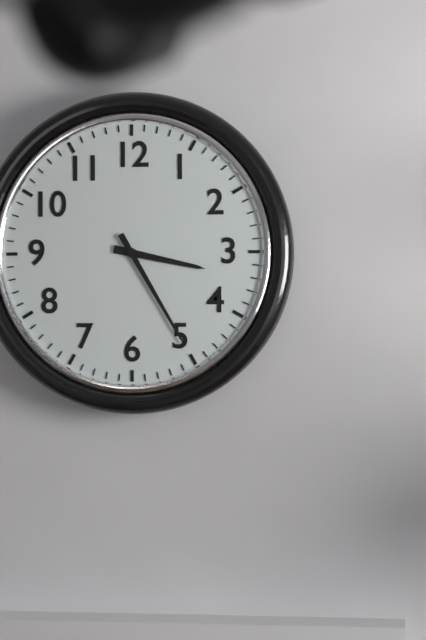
3:25
